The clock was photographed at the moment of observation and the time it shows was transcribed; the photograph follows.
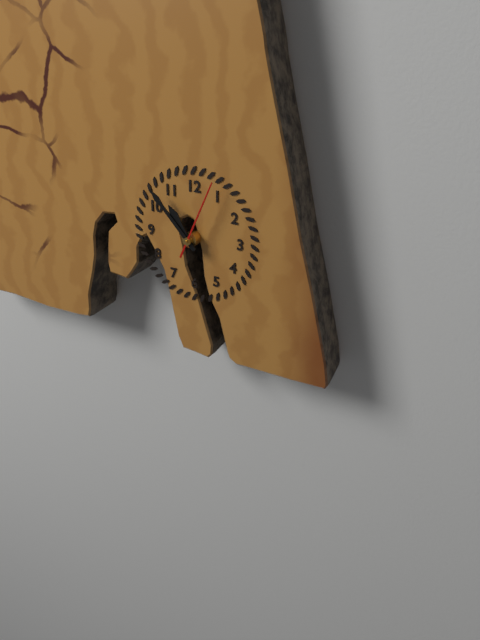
10:53:04
